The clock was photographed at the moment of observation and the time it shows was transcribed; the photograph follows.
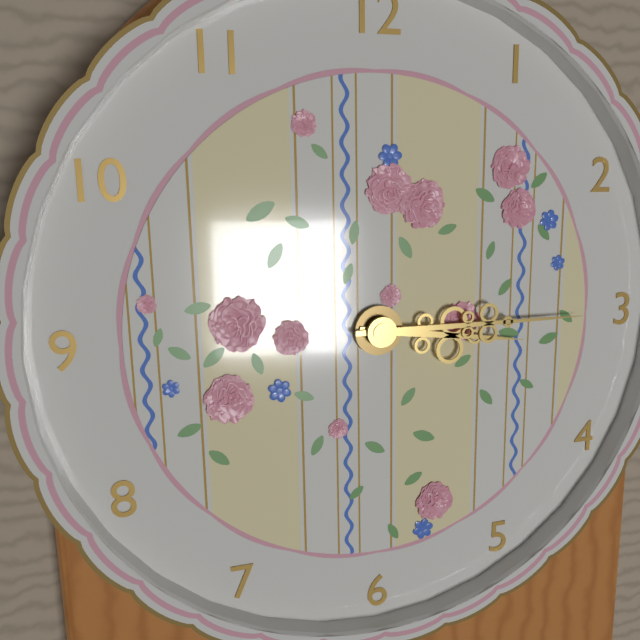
3:15
